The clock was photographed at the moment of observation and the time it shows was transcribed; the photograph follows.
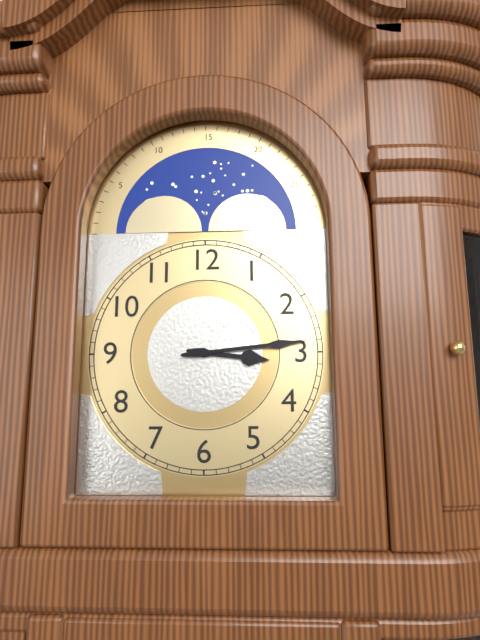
3:14
